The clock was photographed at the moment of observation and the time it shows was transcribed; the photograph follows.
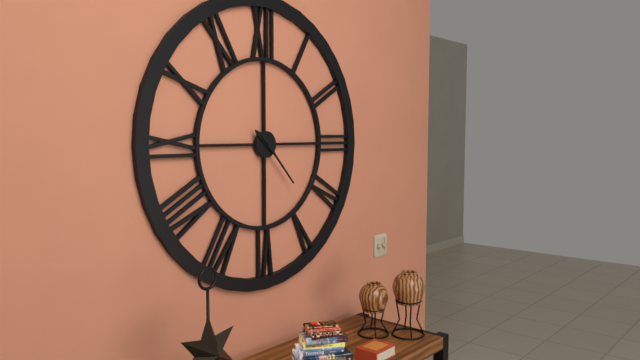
10:23
